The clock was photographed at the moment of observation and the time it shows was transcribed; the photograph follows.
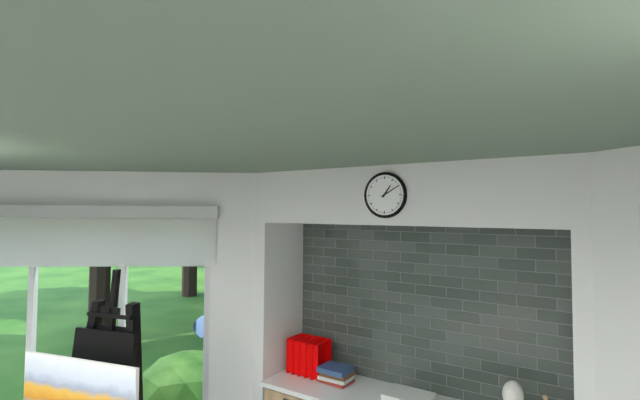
1:10
